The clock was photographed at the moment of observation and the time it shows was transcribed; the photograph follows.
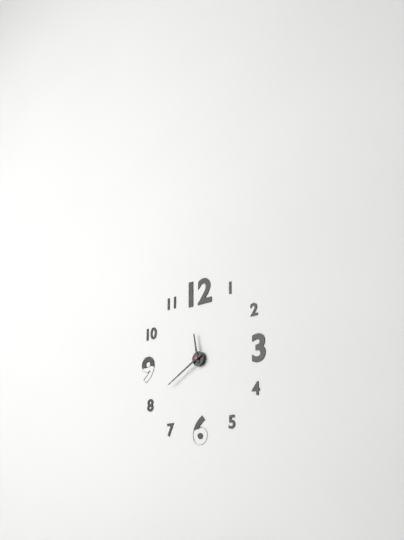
11:40
